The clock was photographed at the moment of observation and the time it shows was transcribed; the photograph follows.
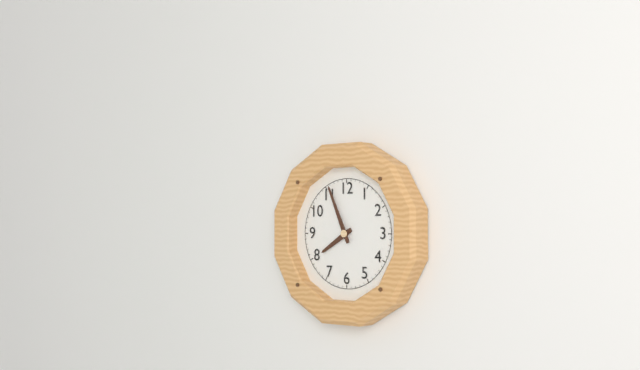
7:56
